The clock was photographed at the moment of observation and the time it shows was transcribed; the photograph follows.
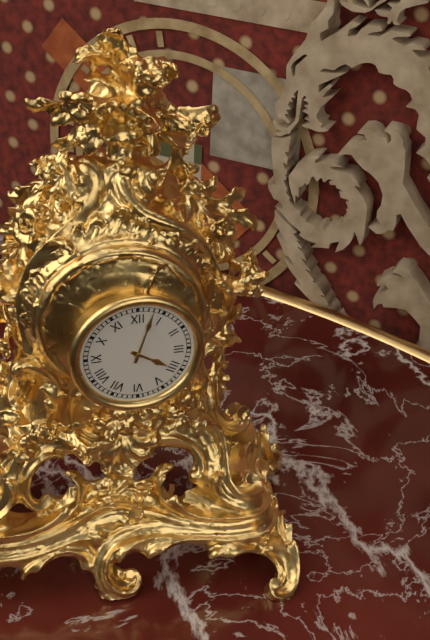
4:03
